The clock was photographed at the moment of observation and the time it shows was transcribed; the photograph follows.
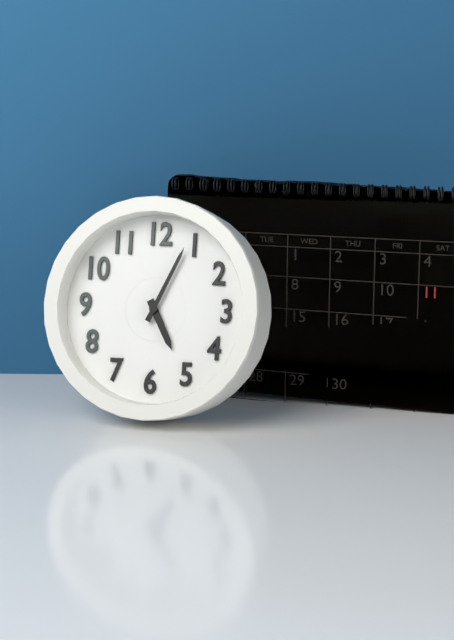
5:04
